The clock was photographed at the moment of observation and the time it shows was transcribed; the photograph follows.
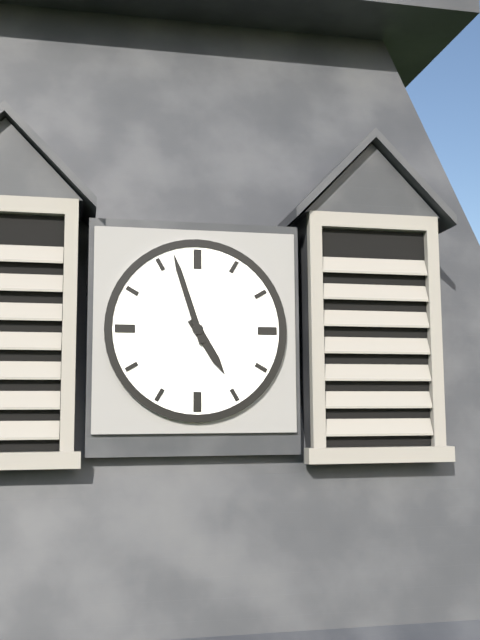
4:57
